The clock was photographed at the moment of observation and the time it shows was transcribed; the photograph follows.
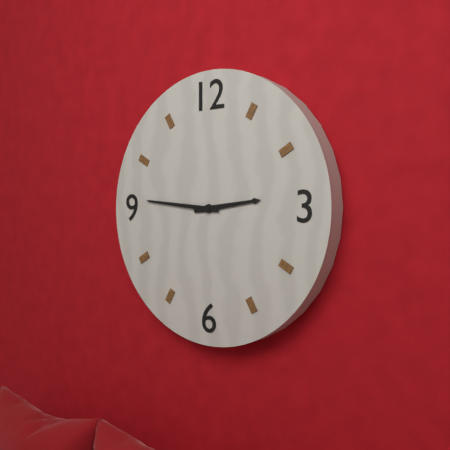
2:46
